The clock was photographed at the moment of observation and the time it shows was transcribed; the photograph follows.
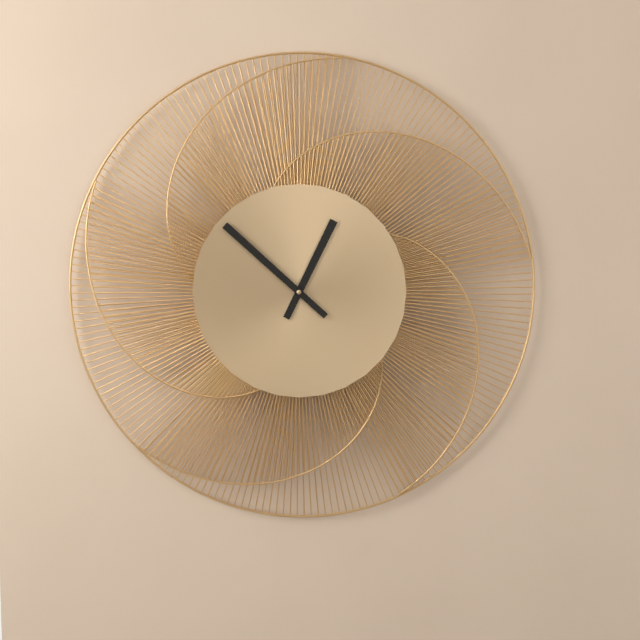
12:52
